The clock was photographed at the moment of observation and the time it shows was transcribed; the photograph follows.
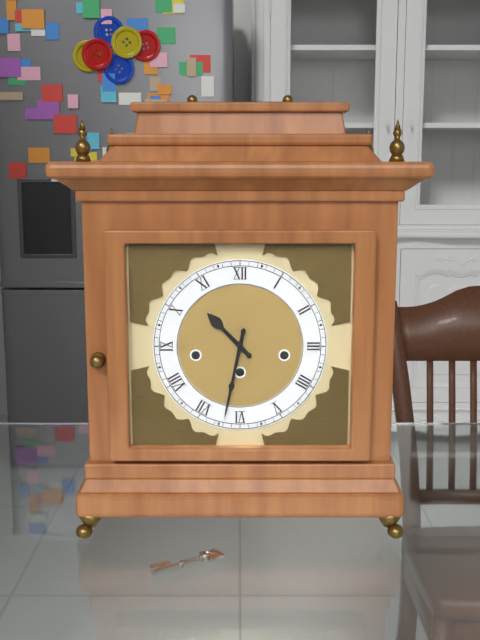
10:32
